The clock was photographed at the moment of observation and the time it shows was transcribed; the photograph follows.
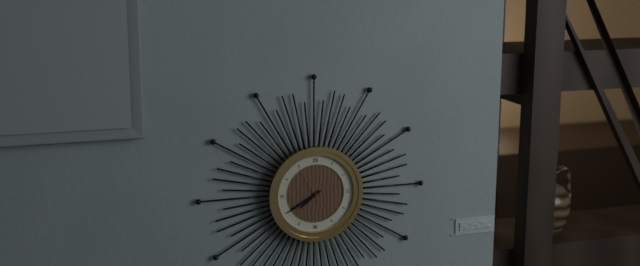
7:40
